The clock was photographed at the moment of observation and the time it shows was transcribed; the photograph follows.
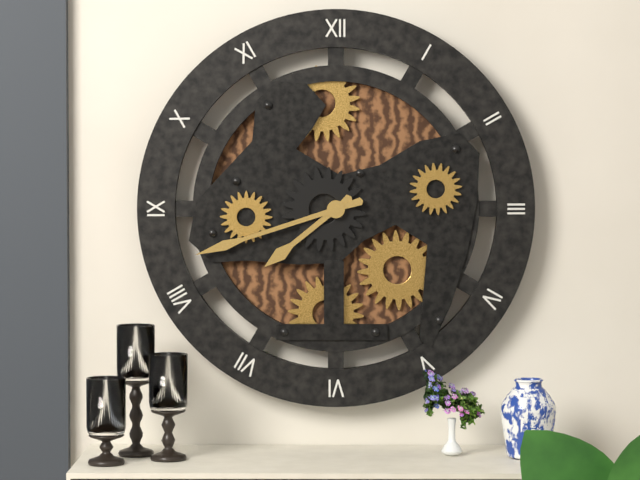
7:42
